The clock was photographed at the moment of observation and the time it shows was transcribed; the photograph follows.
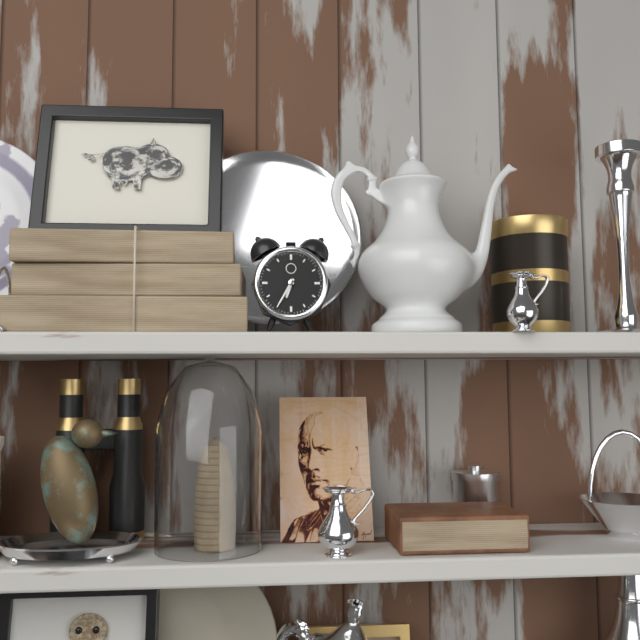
6:35
